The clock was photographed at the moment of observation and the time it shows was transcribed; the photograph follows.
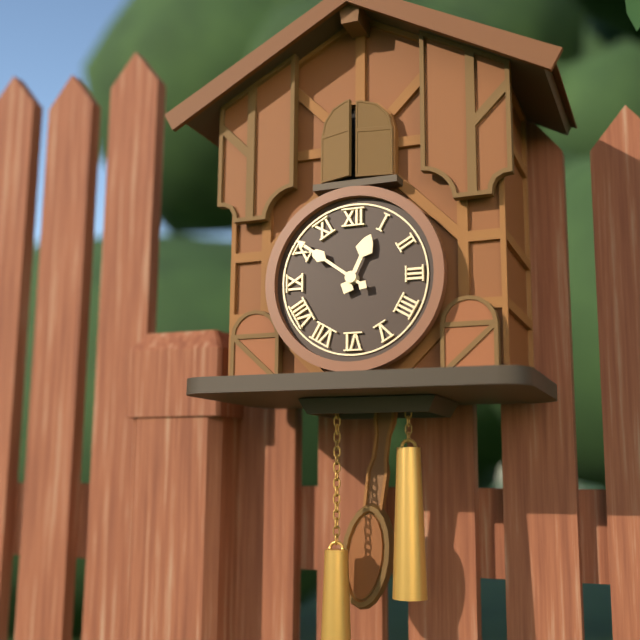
12:51
